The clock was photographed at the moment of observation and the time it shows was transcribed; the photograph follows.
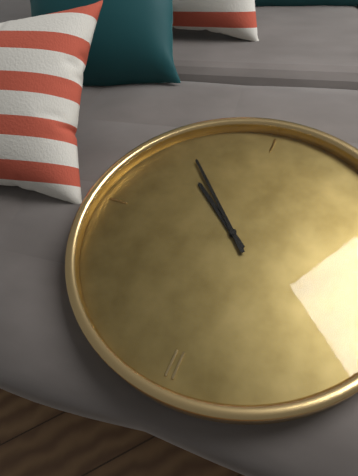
4:23
